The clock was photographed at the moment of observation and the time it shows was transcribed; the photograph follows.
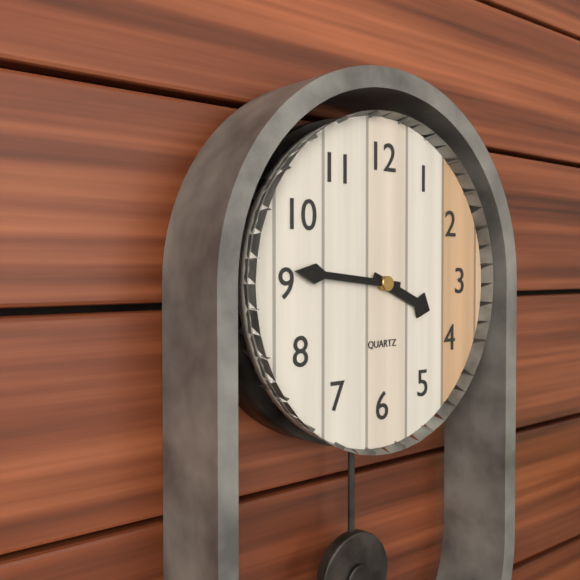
3:46
